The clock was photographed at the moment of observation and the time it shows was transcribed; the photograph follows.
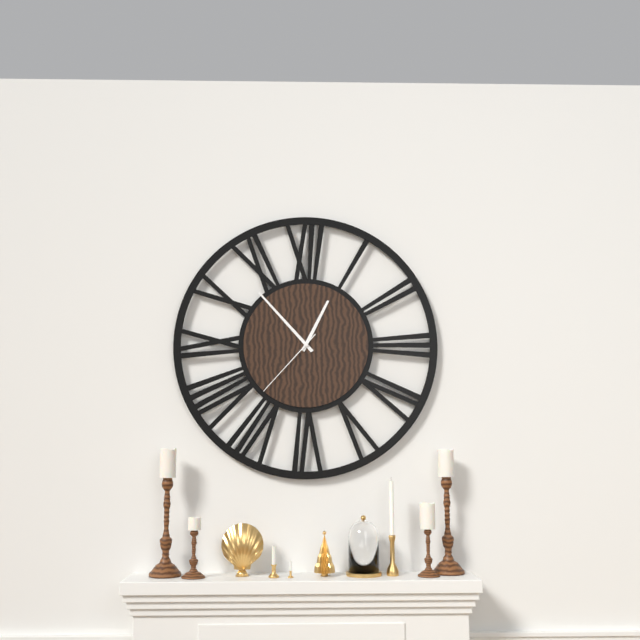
12:53:37
